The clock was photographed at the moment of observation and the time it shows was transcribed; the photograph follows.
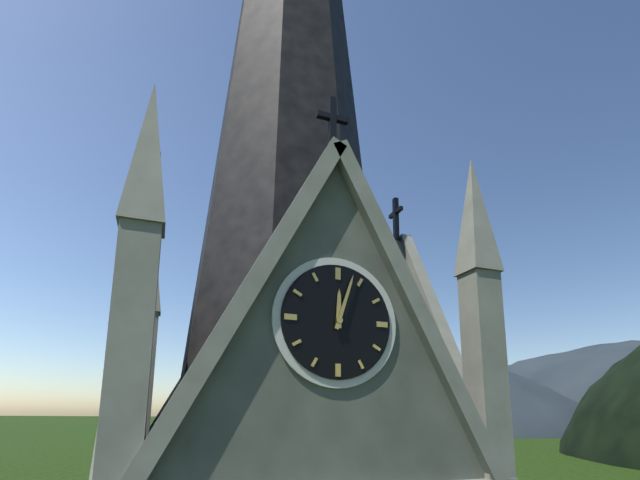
12:03
